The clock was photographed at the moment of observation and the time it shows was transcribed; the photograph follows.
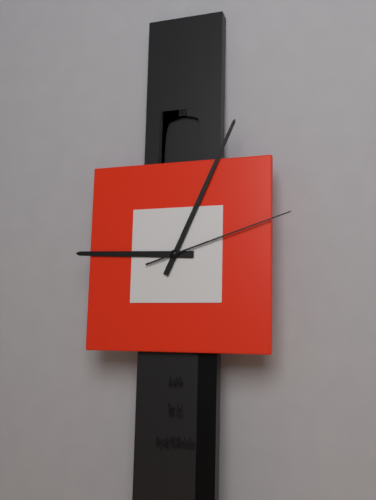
9:04:12
